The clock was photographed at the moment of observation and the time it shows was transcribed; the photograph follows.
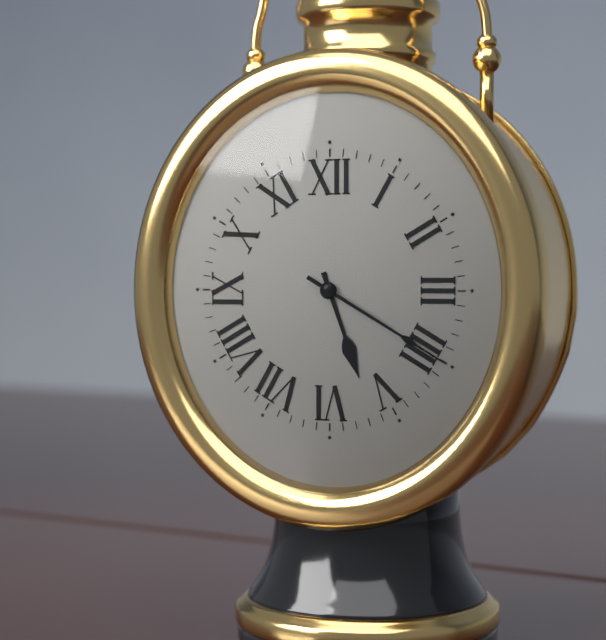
5:20
